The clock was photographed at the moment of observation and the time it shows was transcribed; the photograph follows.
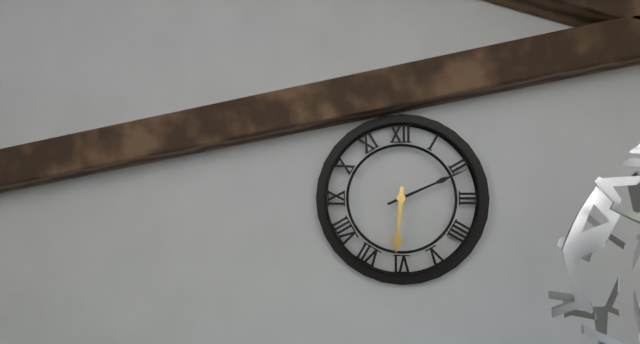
6:11
